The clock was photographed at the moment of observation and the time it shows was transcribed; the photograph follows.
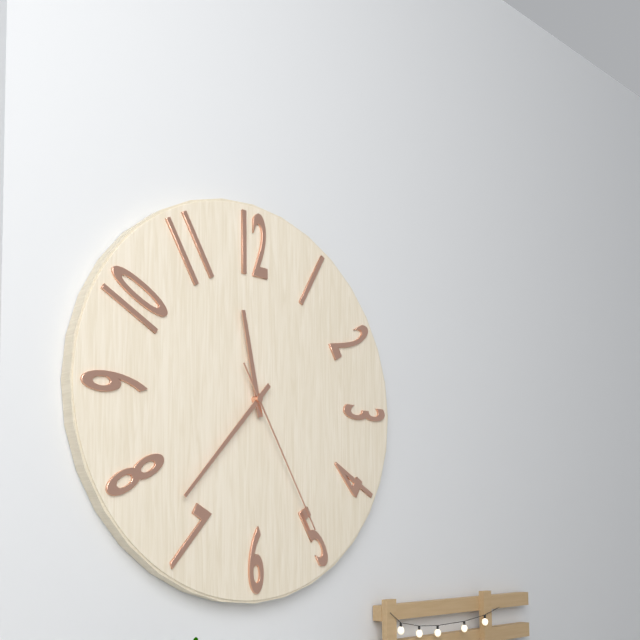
11:37:25
